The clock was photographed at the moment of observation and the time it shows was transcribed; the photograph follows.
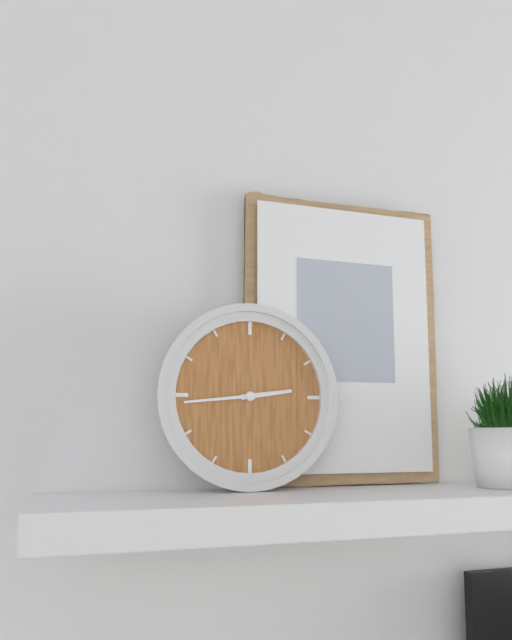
2:44
